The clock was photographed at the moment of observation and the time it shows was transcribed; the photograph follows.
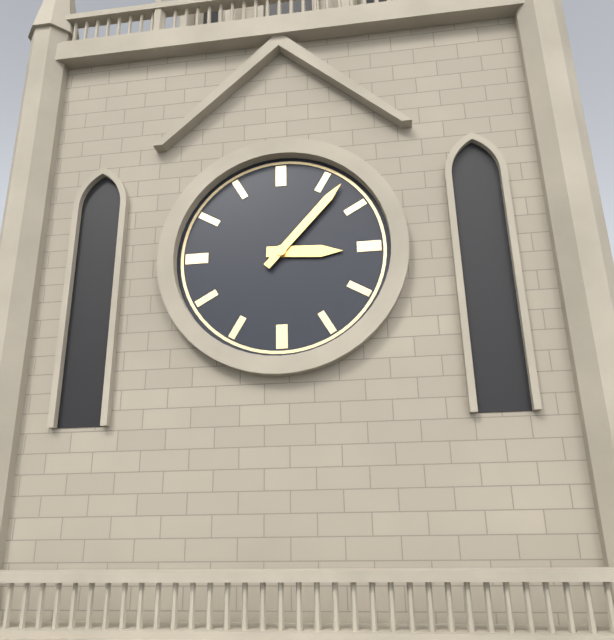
3:07
